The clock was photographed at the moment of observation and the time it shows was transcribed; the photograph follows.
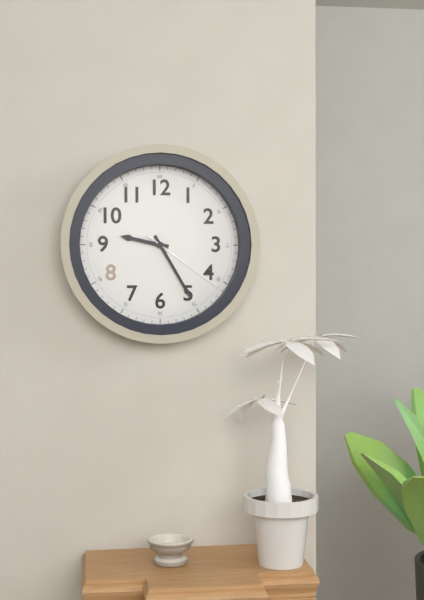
9:25:21
